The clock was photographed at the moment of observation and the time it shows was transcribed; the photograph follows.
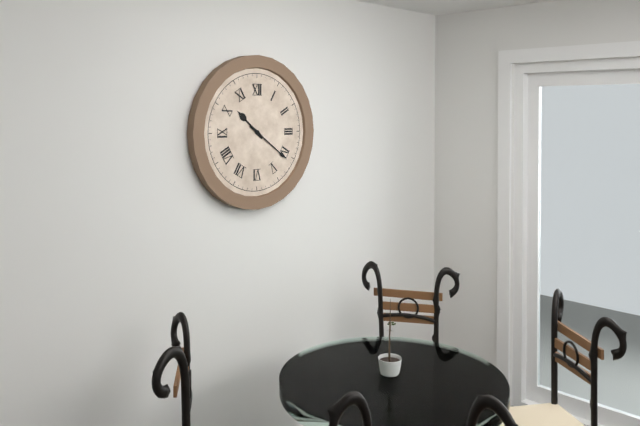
10:21
